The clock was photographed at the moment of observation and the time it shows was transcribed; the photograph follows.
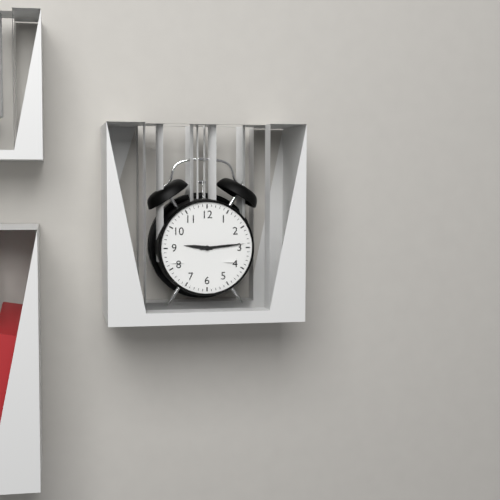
9:14
